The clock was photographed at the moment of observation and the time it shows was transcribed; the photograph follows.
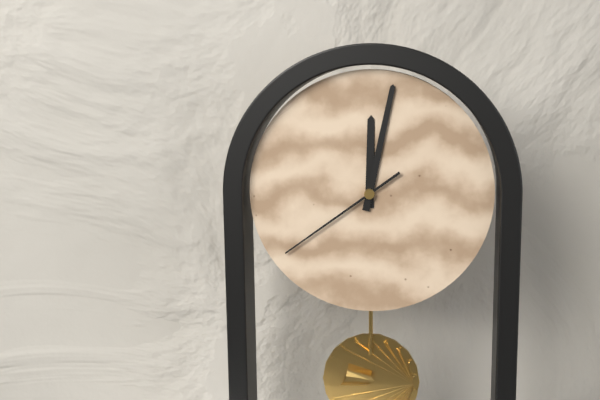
12:02:39
